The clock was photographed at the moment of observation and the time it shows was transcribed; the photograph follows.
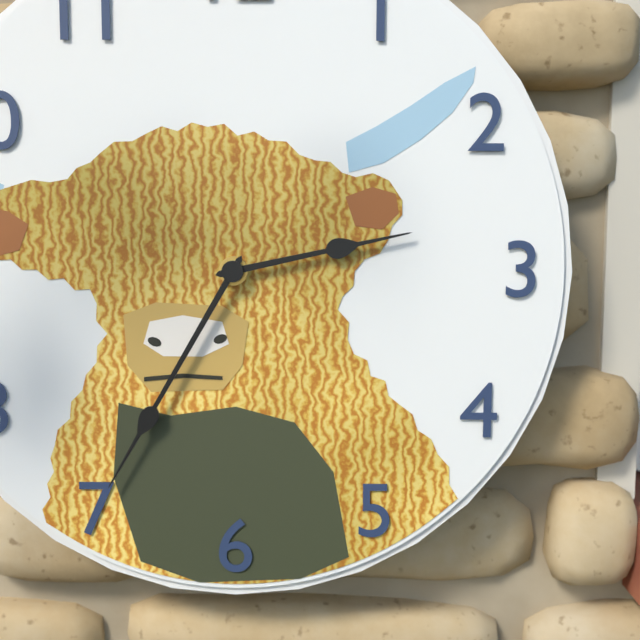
2:35
